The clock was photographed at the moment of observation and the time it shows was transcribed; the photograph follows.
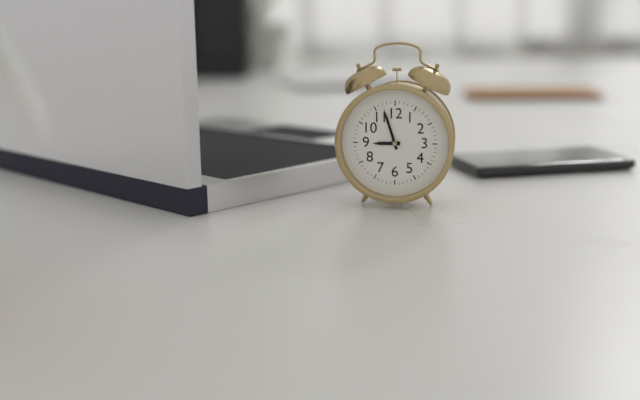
8:57
